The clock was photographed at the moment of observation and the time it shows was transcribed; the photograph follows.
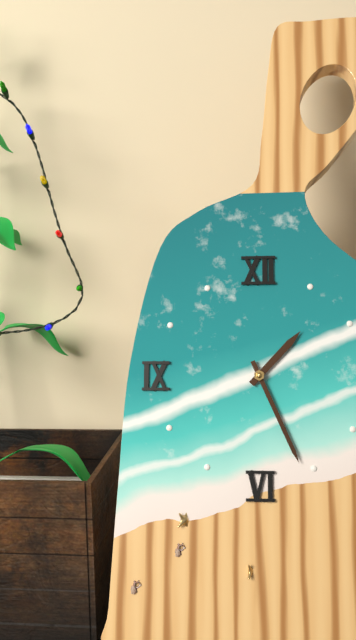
1:26
